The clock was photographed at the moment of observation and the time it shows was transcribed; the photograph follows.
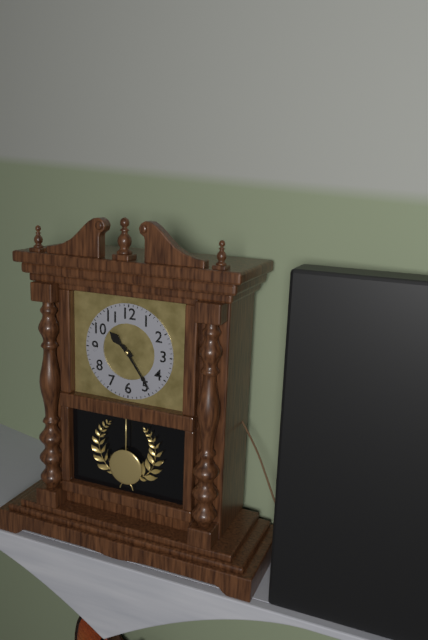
10:24
